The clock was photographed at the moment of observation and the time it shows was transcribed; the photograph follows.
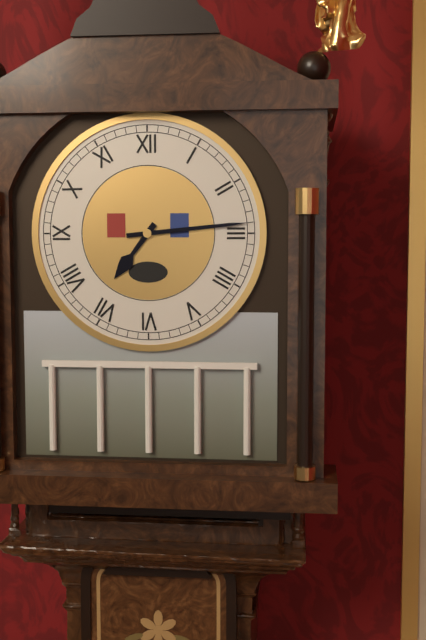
7:14
